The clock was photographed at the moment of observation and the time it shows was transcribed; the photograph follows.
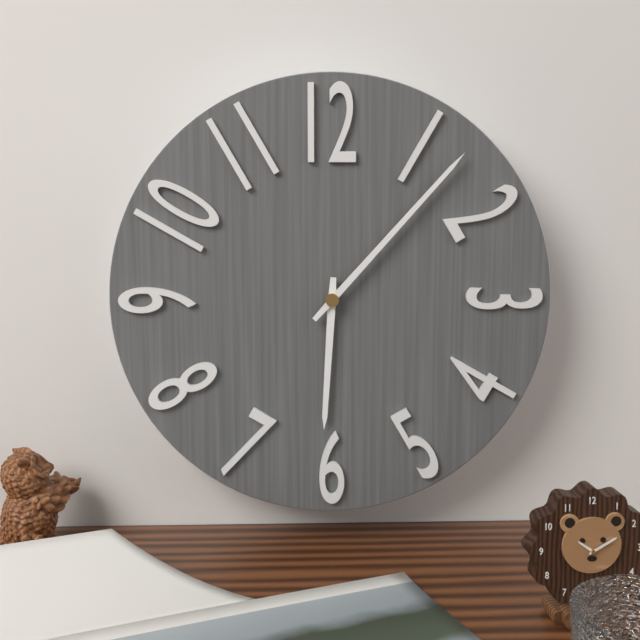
6:07
